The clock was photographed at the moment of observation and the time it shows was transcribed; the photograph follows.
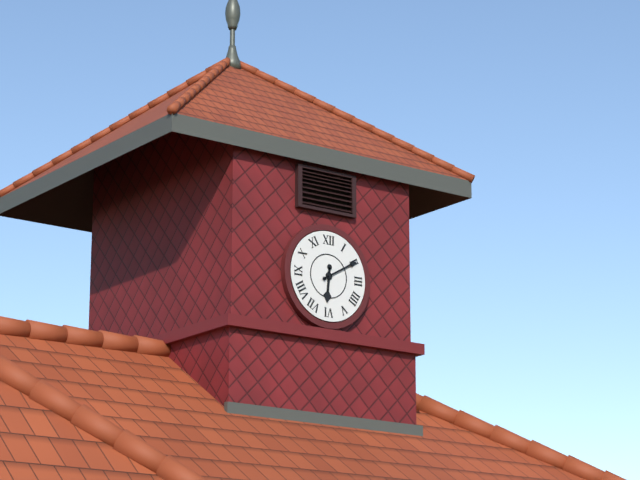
6:10
